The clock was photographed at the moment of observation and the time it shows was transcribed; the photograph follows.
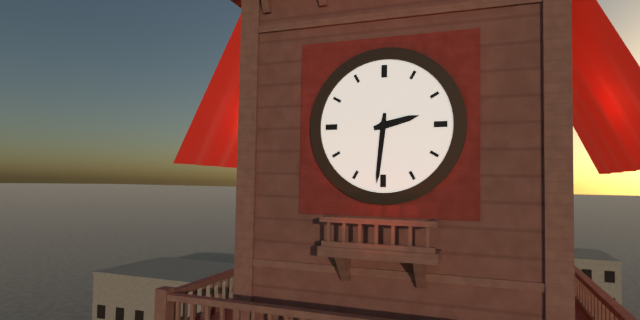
2:31
